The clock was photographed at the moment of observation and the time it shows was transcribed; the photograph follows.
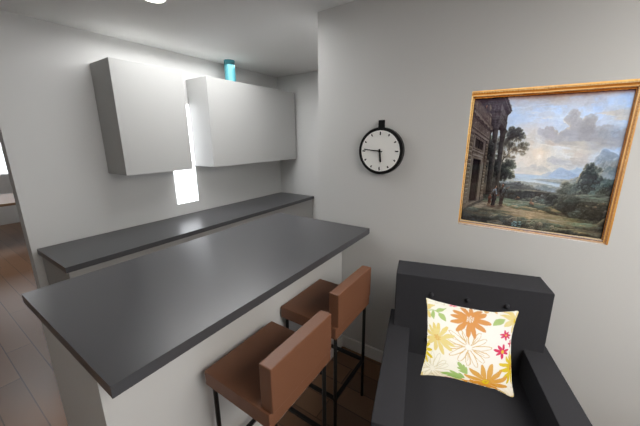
5:46
